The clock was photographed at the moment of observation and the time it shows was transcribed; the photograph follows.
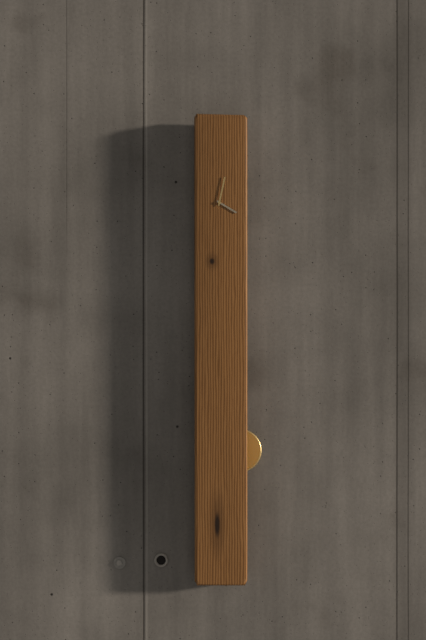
4:02
